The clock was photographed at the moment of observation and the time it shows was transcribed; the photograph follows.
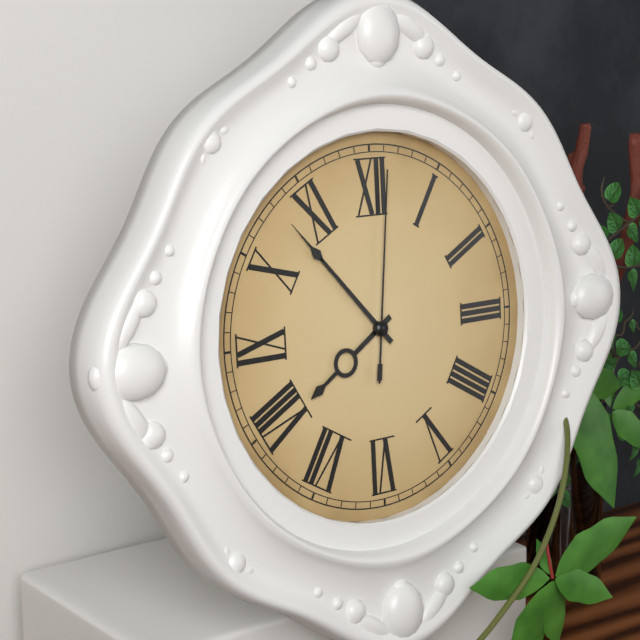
7:53:01
